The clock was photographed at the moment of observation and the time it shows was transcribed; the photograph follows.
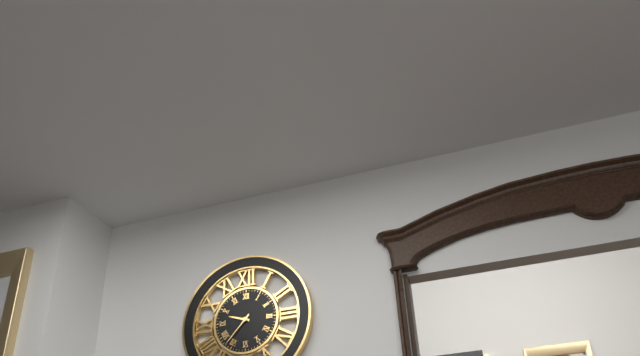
9:37
